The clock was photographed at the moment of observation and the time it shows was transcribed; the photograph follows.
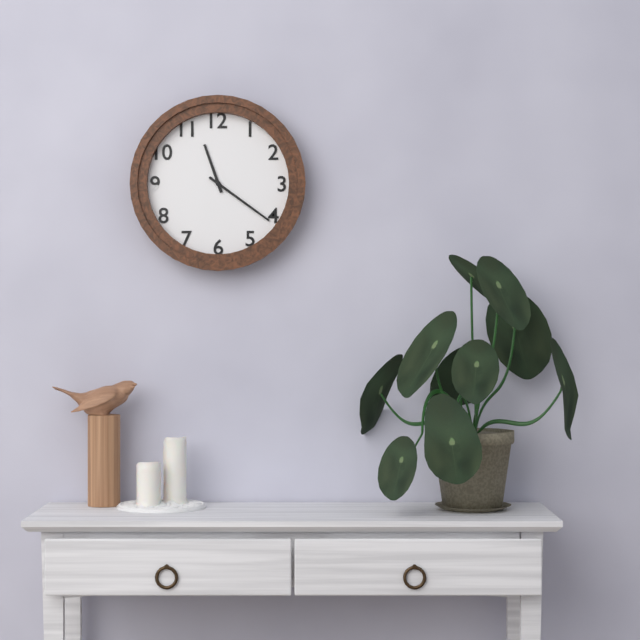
11:21
